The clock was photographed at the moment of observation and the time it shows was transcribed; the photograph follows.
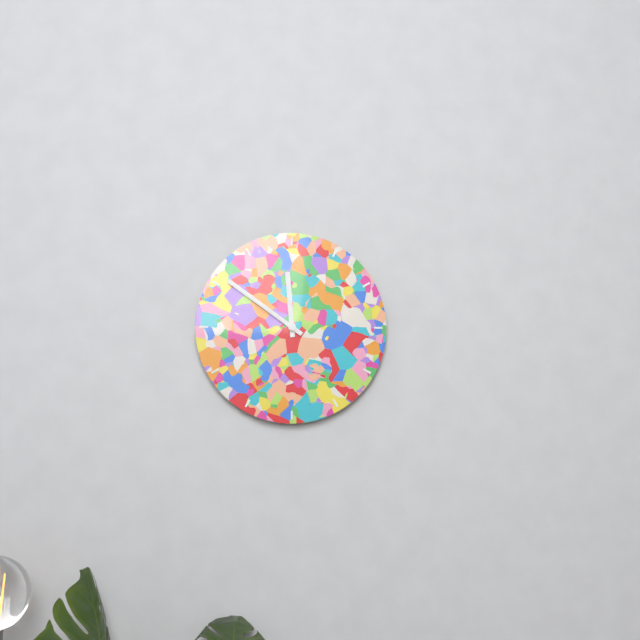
11:51
